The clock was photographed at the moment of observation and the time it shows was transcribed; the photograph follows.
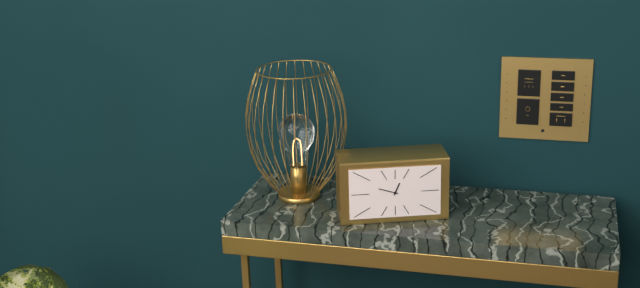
12:48
